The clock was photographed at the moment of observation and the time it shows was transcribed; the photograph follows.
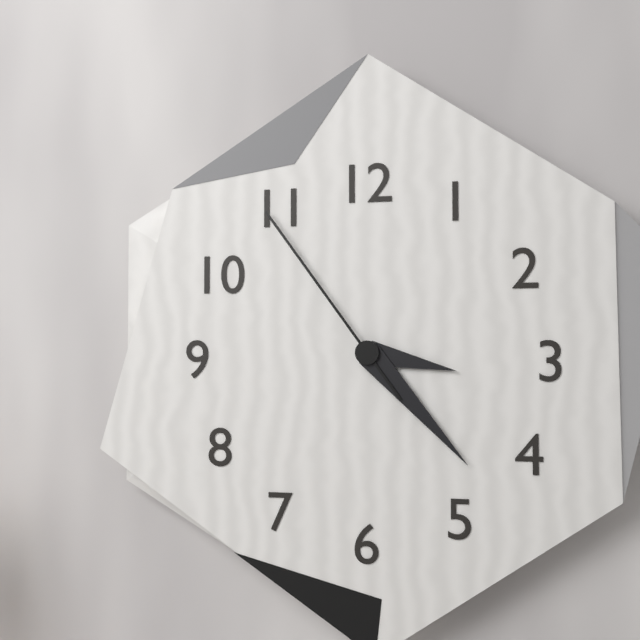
3:23:54
